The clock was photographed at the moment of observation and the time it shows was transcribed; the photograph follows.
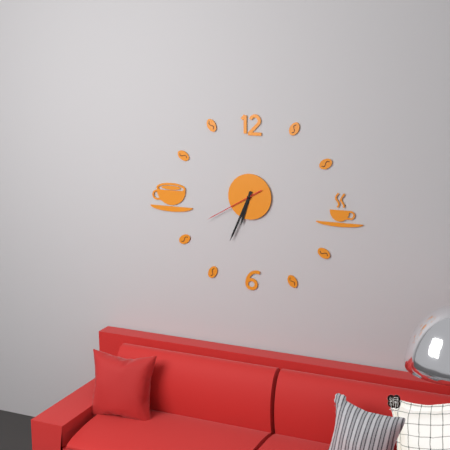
6:34:40
